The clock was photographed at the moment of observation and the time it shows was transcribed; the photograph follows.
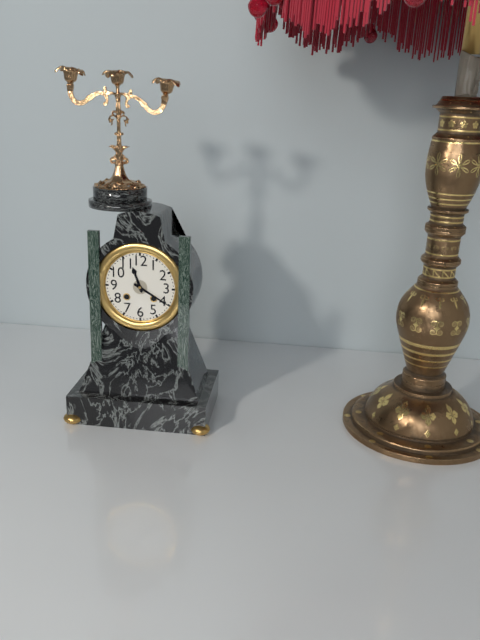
11:20
